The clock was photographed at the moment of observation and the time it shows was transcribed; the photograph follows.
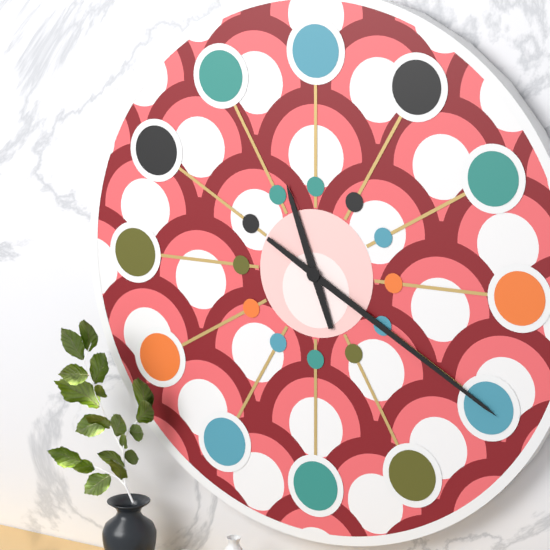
11:20
